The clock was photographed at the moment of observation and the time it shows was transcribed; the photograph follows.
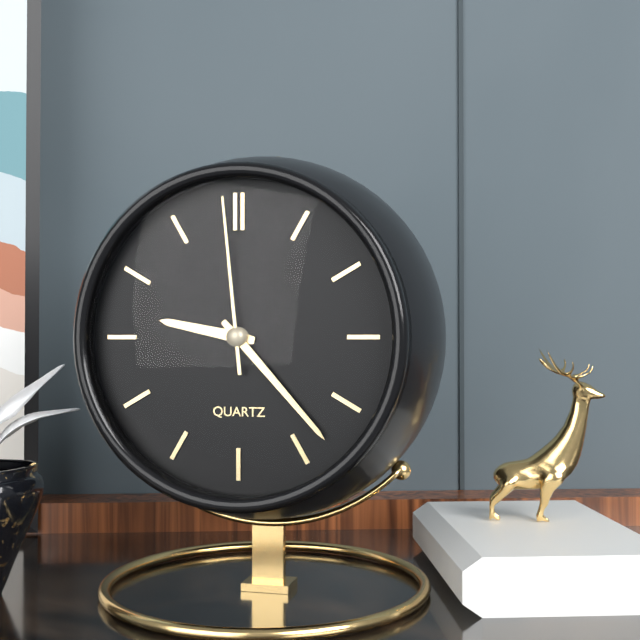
9:23:59
